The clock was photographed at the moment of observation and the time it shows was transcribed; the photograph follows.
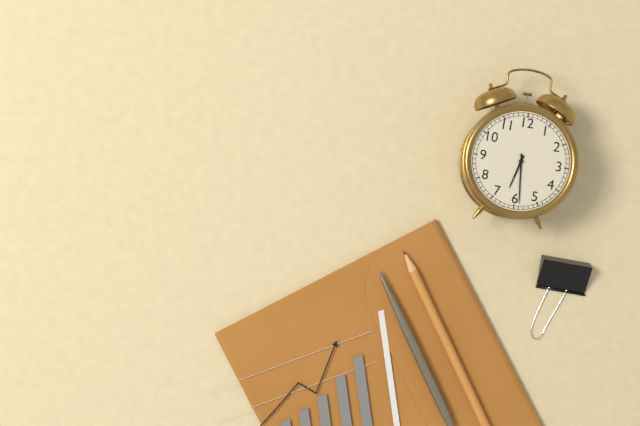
6:29
